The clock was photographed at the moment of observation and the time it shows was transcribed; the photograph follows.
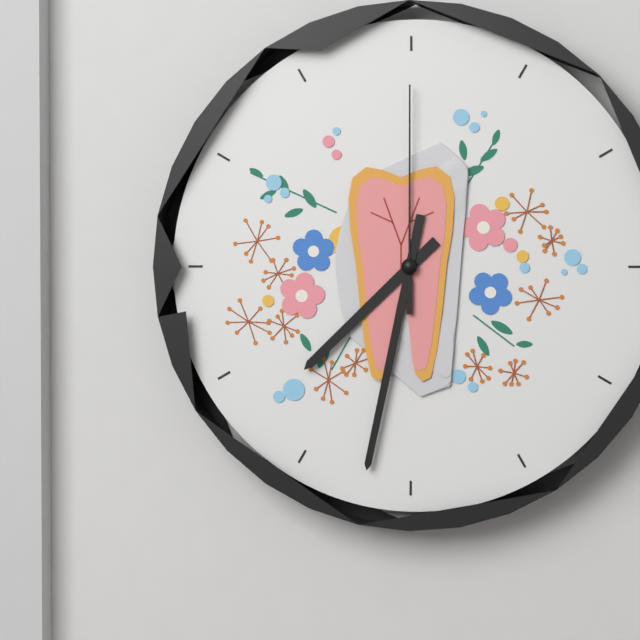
7:32:00
